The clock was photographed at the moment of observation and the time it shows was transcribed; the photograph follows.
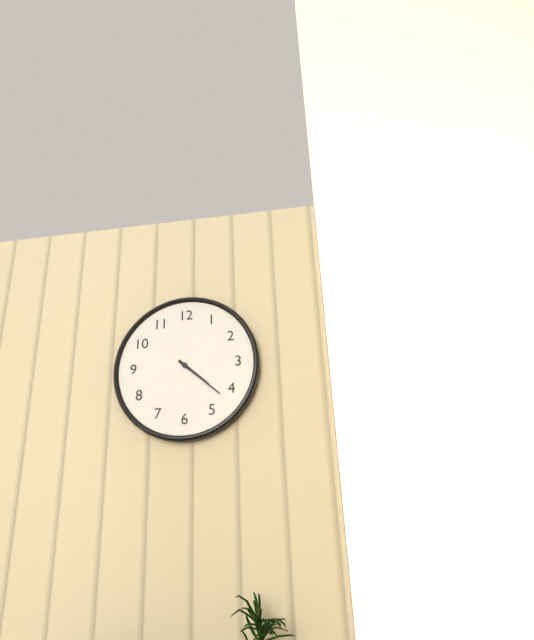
4:22
